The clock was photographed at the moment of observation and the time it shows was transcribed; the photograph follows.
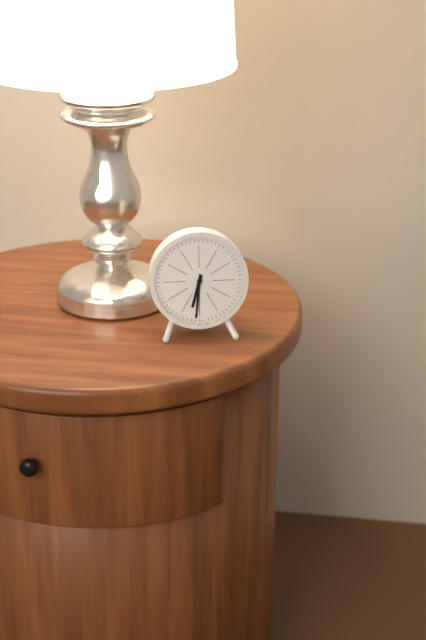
6:31
